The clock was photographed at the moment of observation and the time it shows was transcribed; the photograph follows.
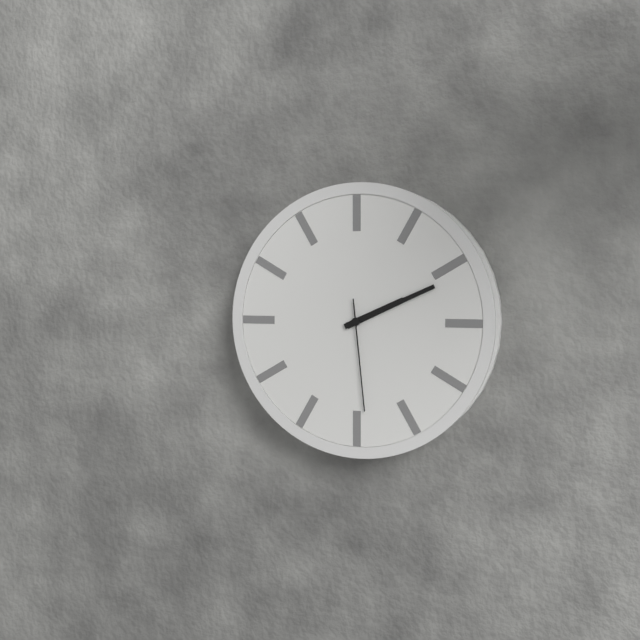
2:11:29
